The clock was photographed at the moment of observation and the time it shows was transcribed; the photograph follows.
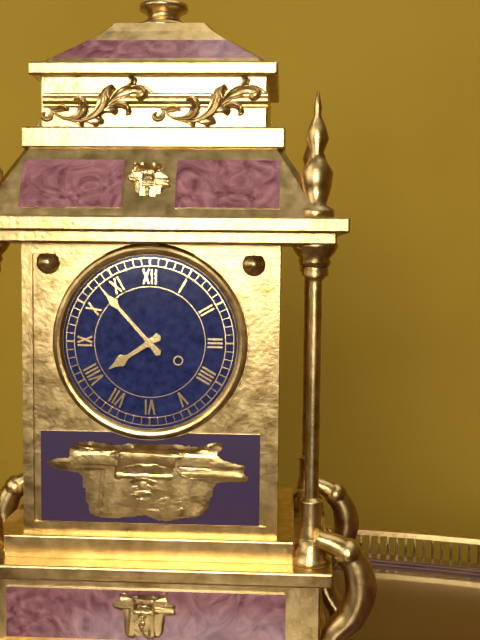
7:53
